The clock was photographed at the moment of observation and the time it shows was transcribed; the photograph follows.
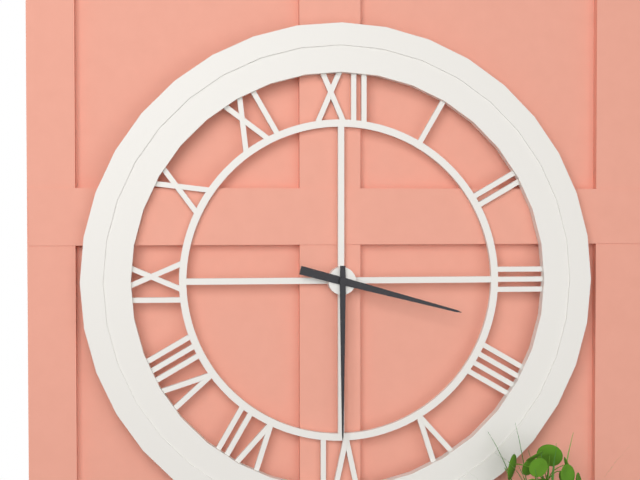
3:30
